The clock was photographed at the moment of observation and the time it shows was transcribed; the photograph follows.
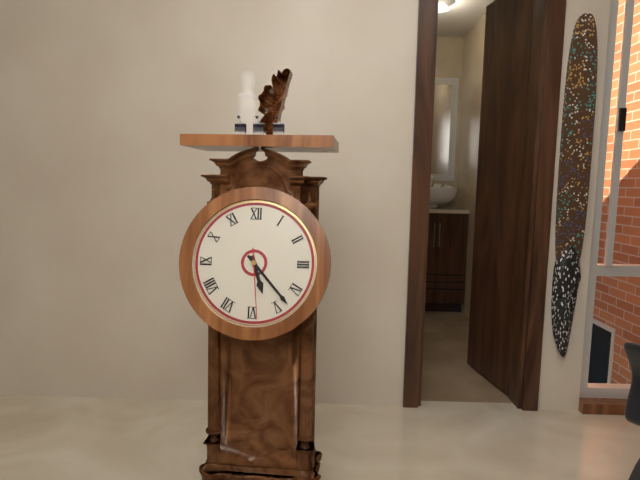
5:23:29
